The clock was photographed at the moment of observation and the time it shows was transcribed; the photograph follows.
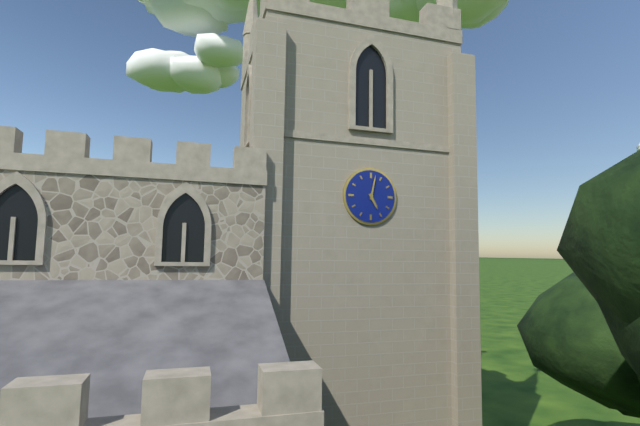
5:02
